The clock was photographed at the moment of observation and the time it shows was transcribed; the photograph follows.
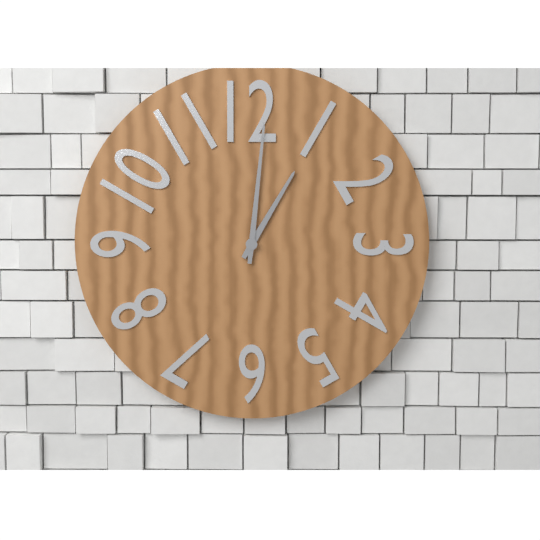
1:01
